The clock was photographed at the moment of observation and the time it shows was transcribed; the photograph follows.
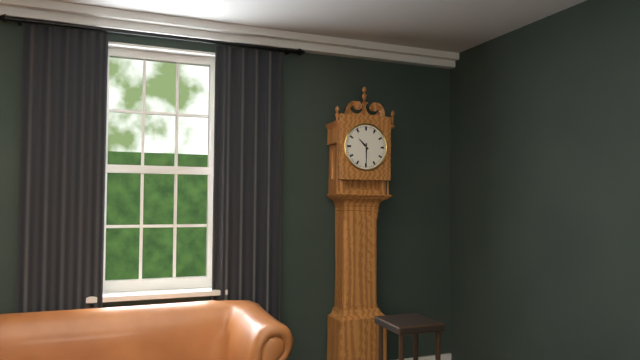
10:30
